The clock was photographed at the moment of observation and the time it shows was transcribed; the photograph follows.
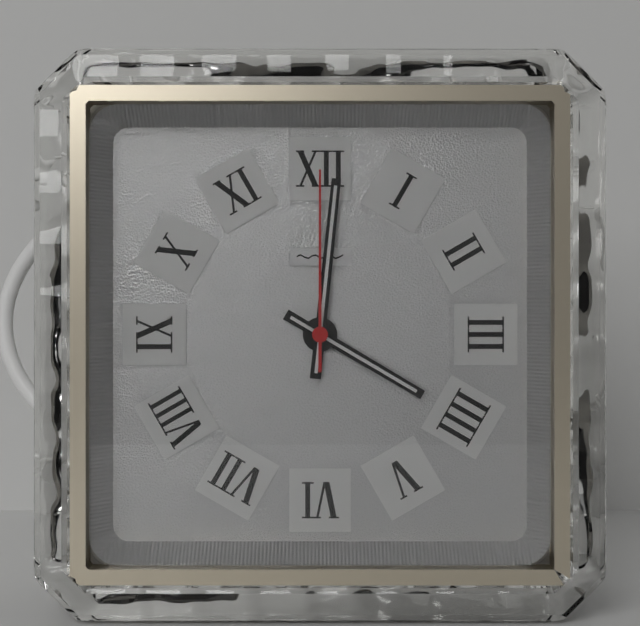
4:01:00
